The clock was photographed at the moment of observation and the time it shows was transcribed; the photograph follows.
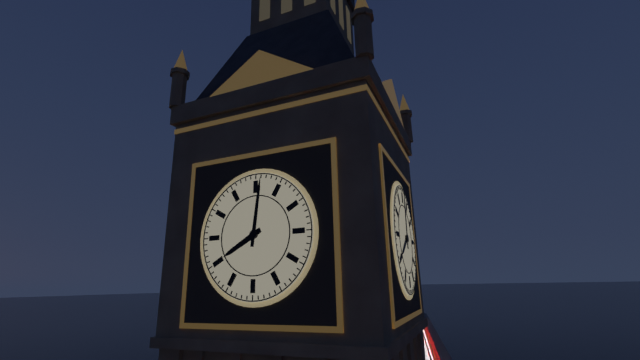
8:01
